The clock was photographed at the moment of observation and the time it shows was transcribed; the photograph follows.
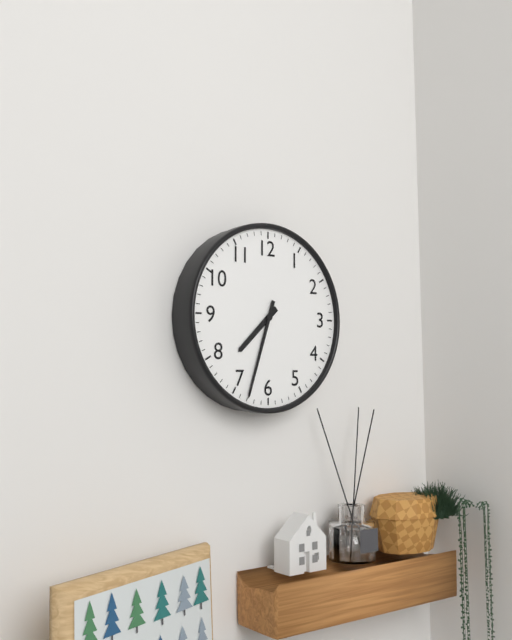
7:33
